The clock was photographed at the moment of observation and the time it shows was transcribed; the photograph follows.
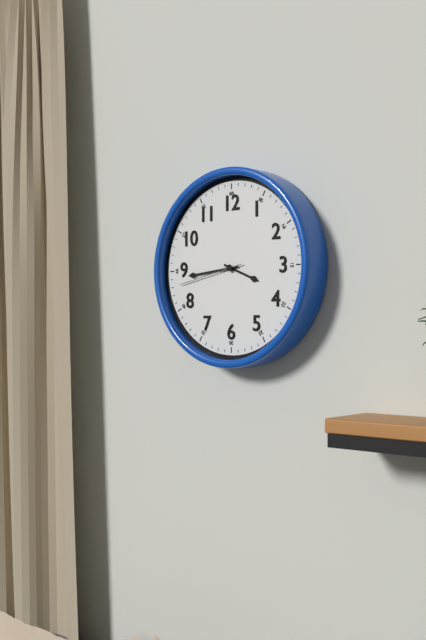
3:44:43
